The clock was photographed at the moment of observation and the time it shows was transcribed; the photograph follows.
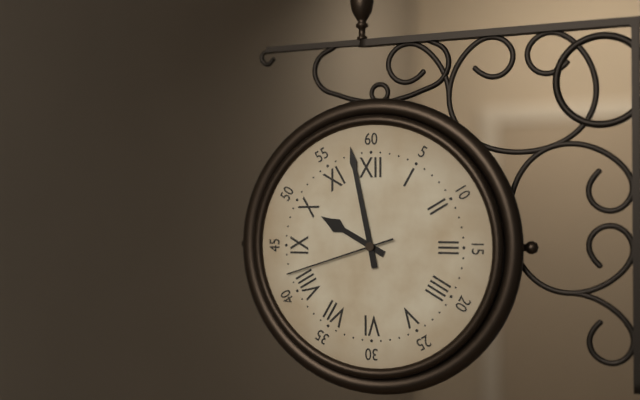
9:58:42
